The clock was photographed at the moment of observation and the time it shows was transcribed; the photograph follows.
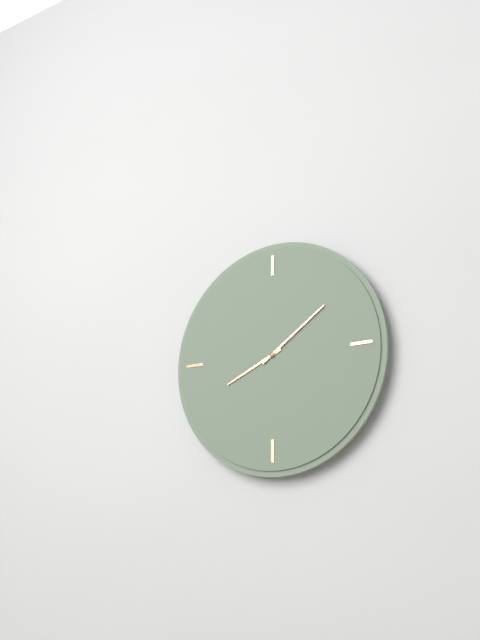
8:09
